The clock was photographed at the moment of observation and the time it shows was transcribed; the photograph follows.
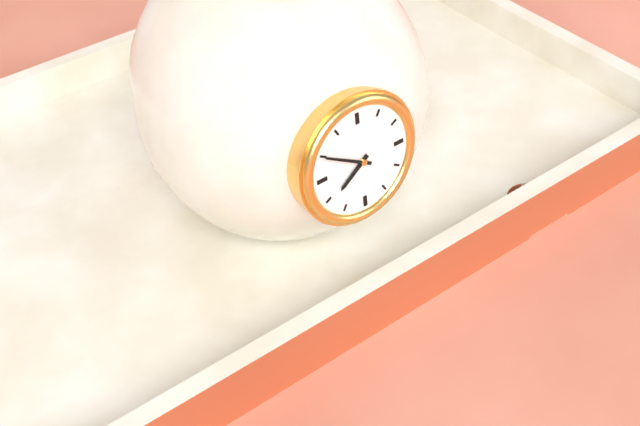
7:50
